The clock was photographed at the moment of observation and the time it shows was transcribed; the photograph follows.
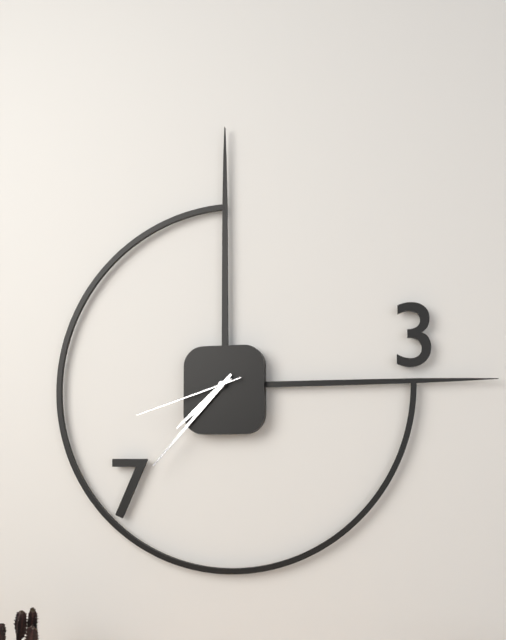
7:37:42
